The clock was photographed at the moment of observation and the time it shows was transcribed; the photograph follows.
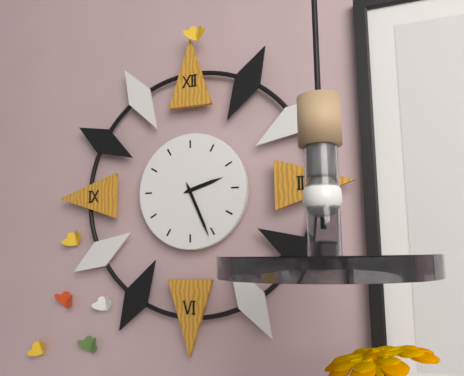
2:26
